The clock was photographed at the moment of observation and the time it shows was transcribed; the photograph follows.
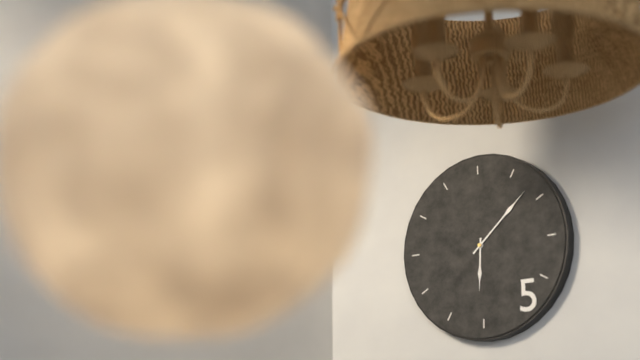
6:08
